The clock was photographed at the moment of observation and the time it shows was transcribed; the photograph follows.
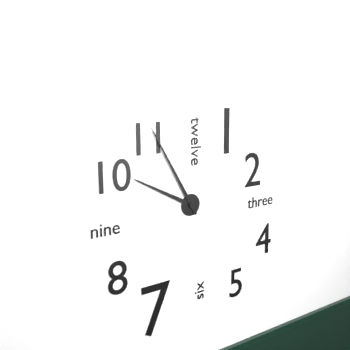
9:55
